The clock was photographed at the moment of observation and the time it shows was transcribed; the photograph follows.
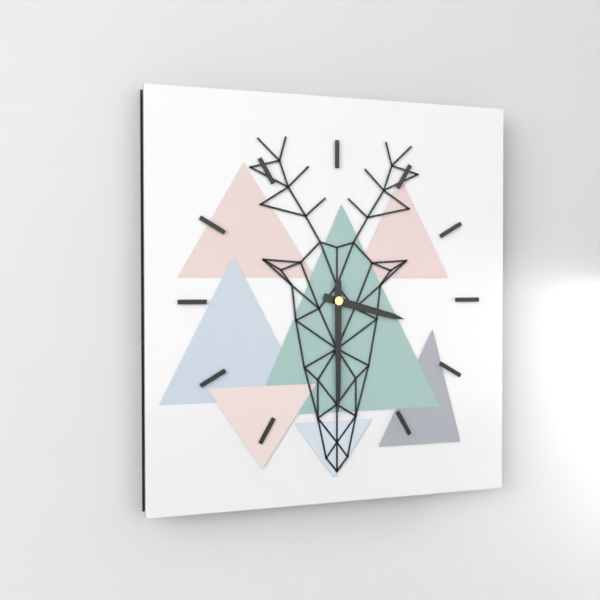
3:30
